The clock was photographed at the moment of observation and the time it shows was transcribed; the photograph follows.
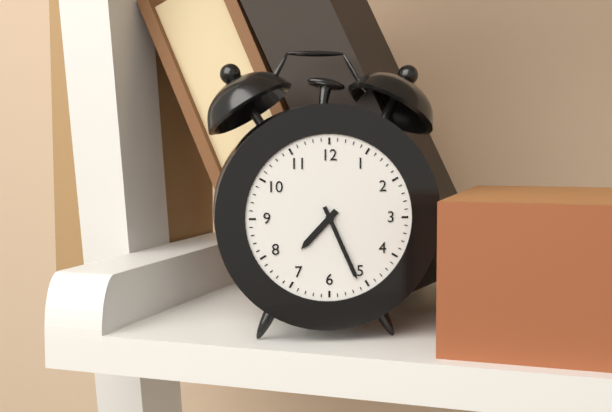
7:26
